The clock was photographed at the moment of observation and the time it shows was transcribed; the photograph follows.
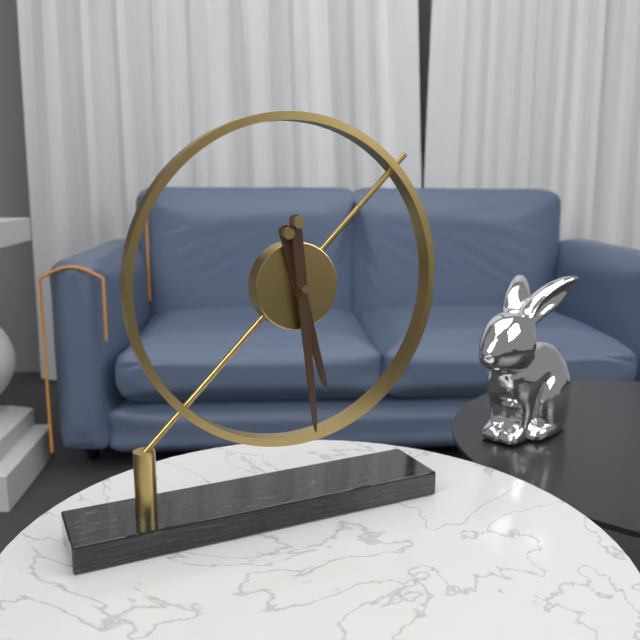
5:29
